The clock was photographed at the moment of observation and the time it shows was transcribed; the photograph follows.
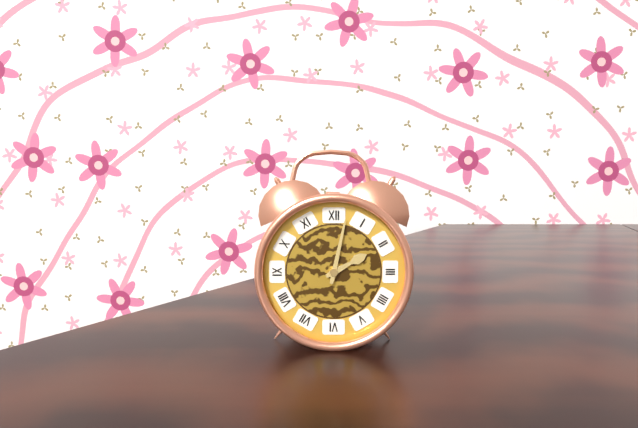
2:02
